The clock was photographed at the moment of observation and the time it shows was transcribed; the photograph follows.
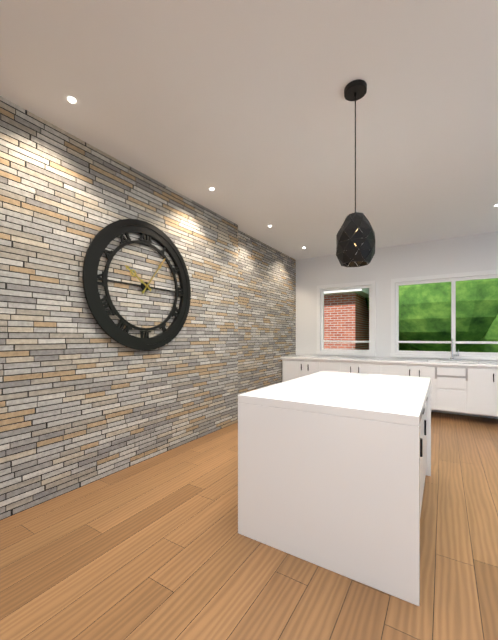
10:06
